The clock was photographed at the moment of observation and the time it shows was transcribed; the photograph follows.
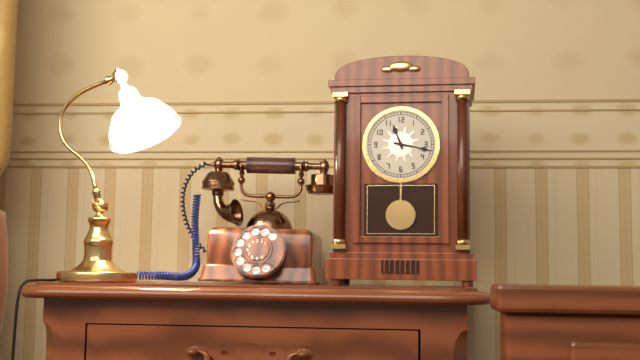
11:17
